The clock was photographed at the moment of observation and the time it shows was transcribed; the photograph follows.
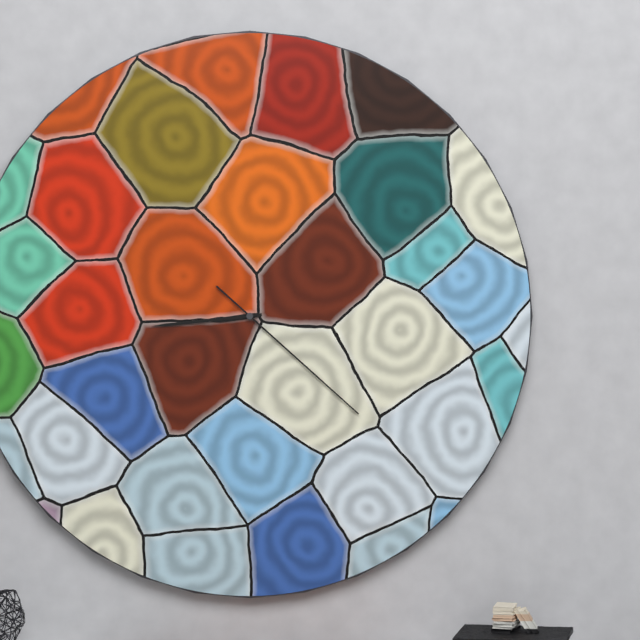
8:44:22
